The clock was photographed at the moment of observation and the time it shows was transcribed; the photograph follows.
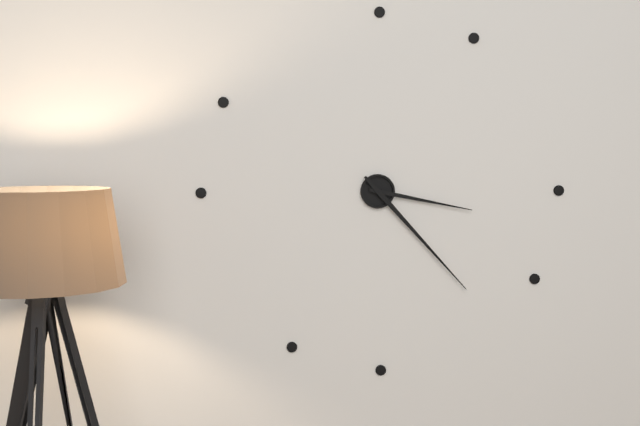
3:23
